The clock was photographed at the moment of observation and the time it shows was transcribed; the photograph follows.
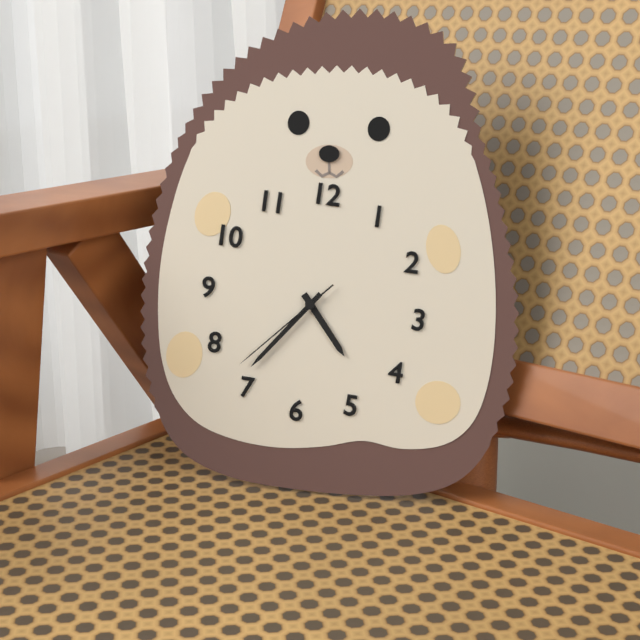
4:36:37
